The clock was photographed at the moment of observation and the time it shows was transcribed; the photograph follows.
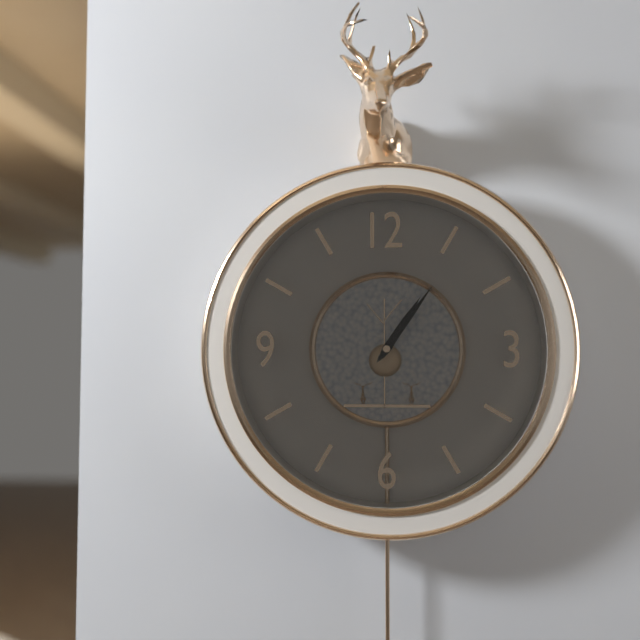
1:06
